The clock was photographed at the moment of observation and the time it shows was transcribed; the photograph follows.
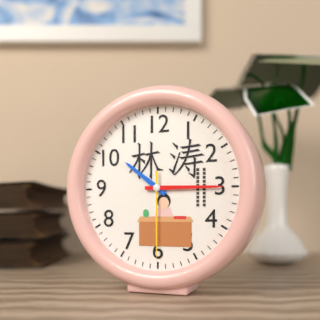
10:15:30
